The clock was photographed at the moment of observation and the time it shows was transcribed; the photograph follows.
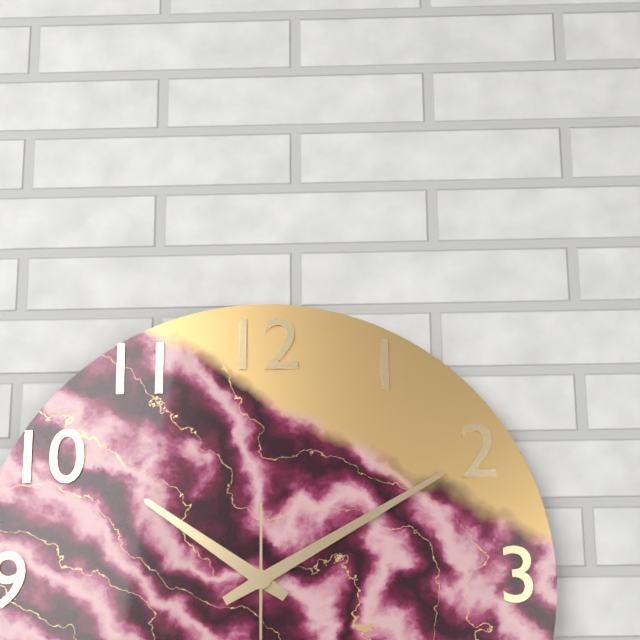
10:10
